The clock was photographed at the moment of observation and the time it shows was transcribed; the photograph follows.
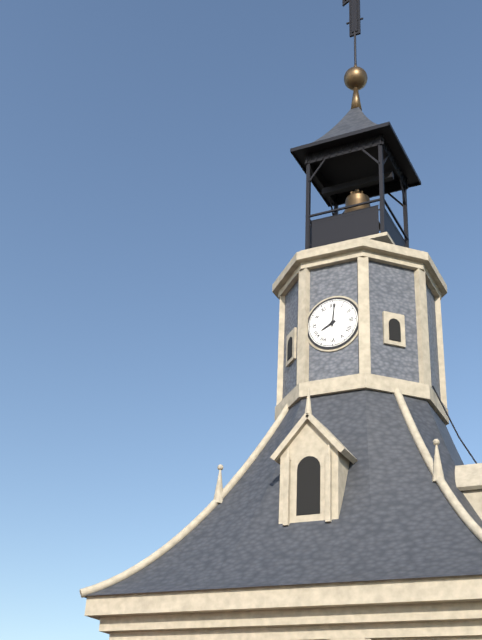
8:01
